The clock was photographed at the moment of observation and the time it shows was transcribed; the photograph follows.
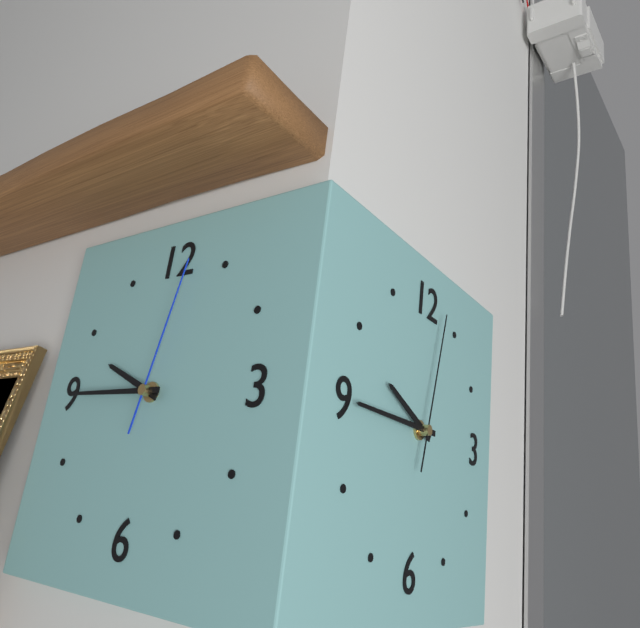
9:45:02
